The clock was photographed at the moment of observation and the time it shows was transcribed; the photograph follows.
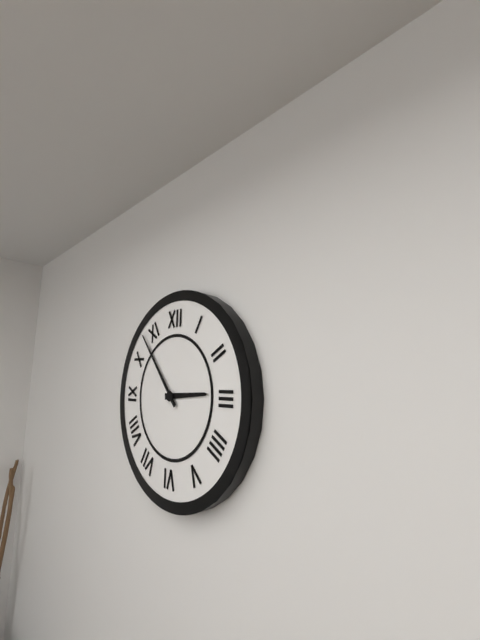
2:53
